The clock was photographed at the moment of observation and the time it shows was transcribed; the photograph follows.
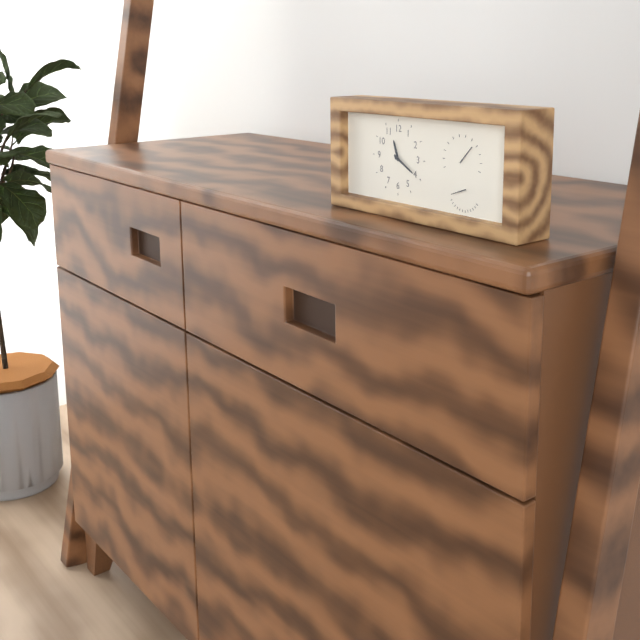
11:20
